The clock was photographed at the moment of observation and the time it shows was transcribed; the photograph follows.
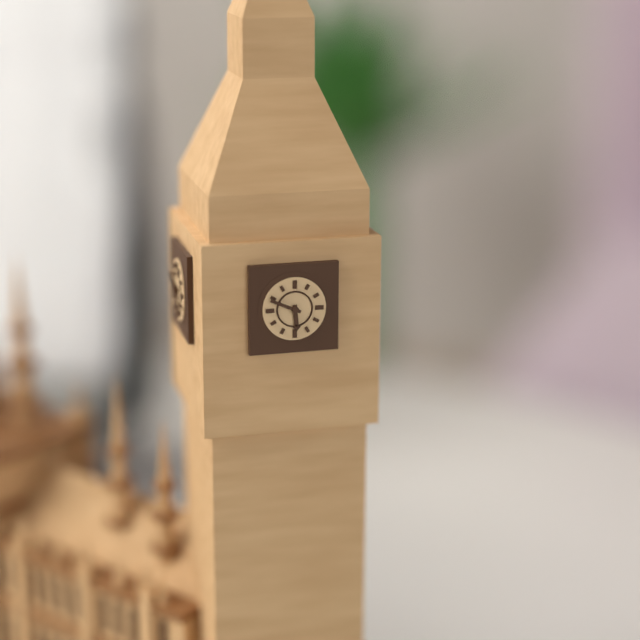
5:49
